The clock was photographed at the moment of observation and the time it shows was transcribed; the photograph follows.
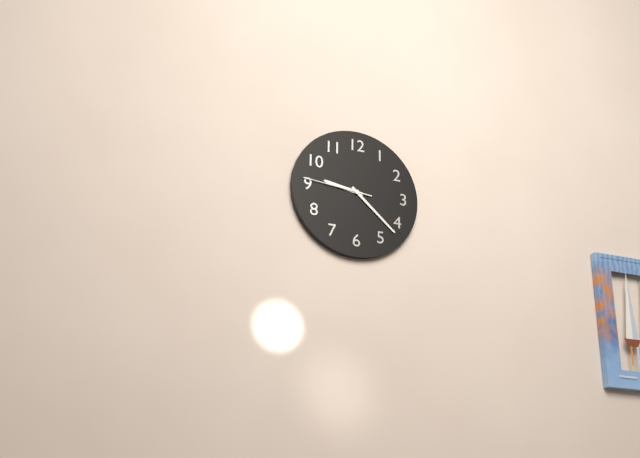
9:22:46
